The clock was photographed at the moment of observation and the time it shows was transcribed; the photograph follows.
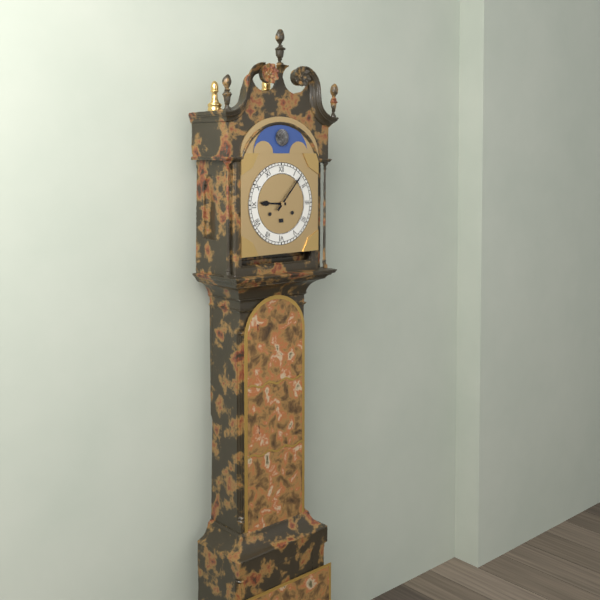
9:07
